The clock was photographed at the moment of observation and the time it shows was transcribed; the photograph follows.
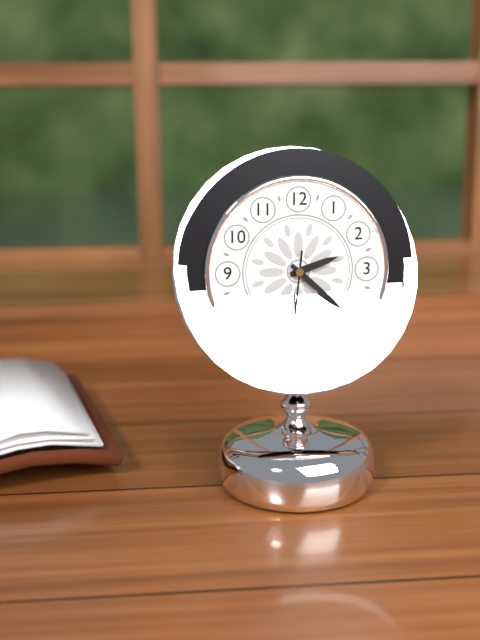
2:22
